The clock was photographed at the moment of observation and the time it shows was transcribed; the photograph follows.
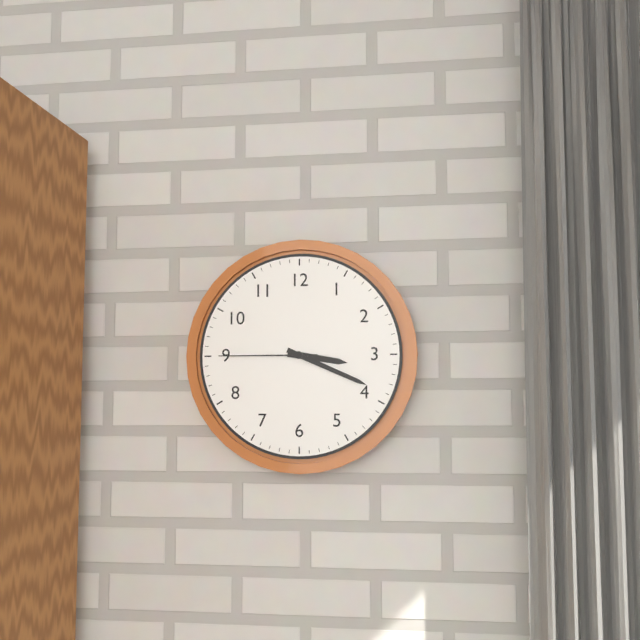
3:19:45
